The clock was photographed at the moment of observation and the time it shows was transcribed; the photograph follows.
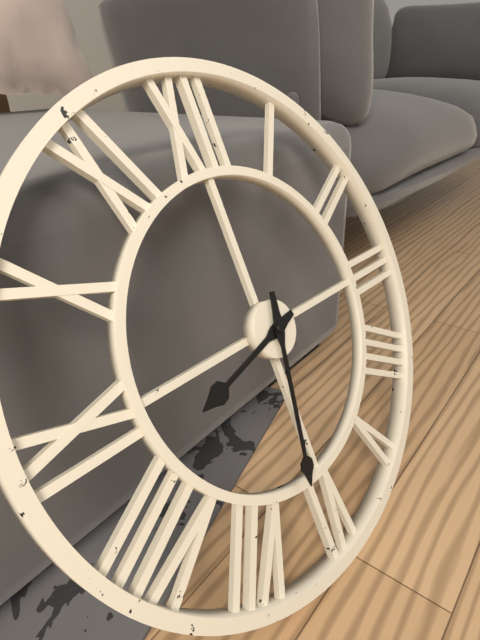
8:32
